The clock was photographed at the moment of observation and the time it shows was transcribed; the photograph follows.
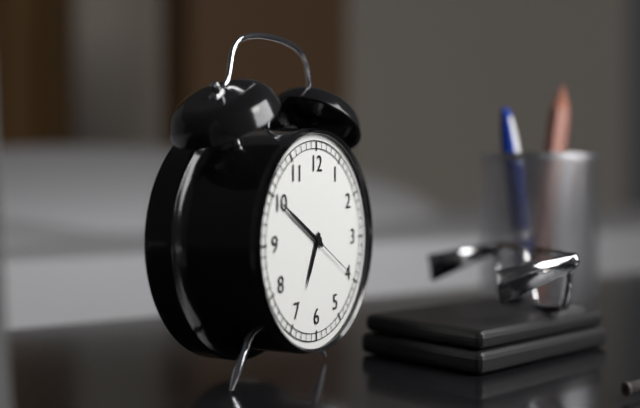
6:50:20
